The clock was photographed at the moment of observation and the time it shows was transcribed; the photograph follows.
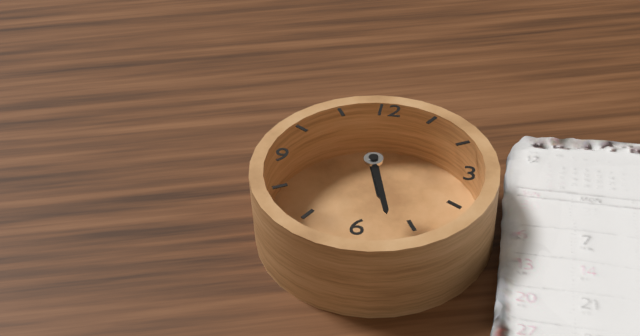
5:27
